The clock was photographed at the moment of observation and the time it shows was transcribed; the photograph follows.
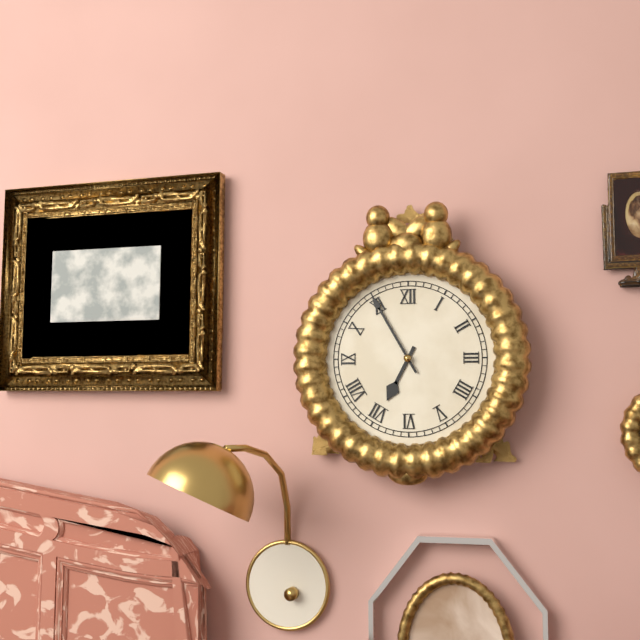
6:55
